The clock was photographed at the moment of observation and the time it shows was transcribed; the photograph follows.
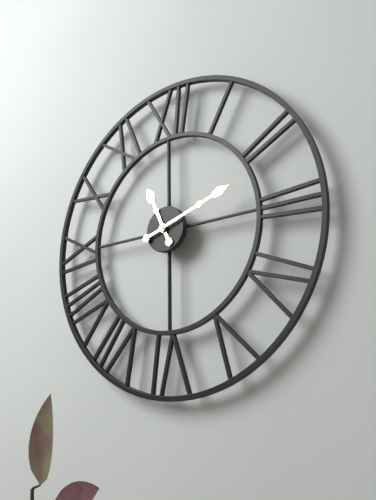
11:12
